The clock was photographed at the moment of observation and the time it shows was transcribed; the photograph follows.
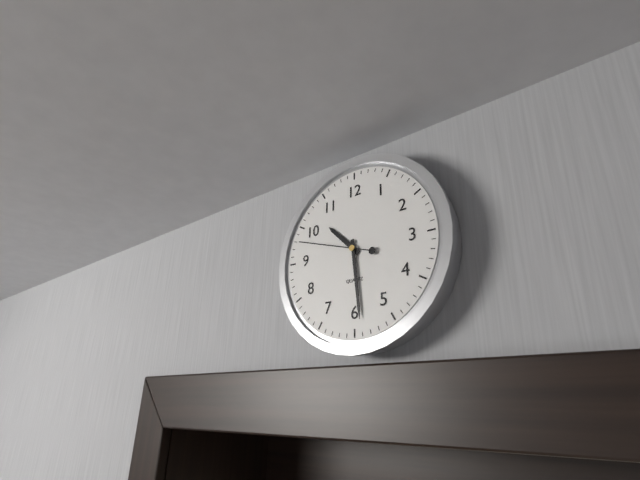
10:29:48
